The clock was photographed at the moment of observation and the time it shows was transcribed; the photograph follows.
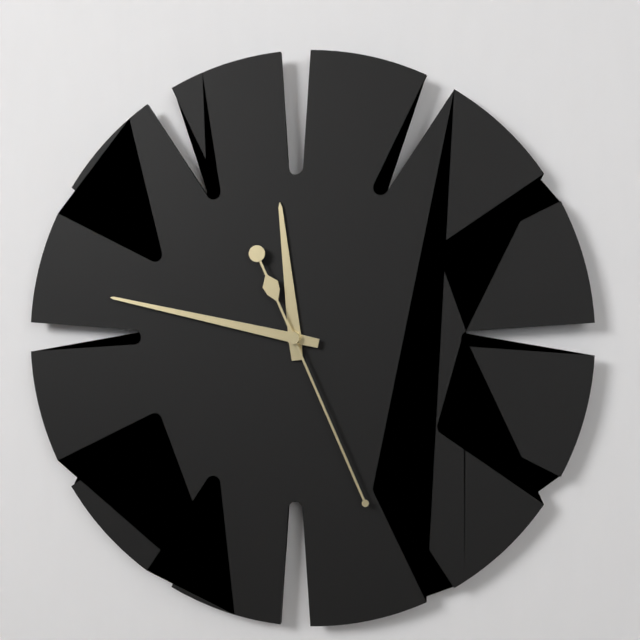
11:47:26
